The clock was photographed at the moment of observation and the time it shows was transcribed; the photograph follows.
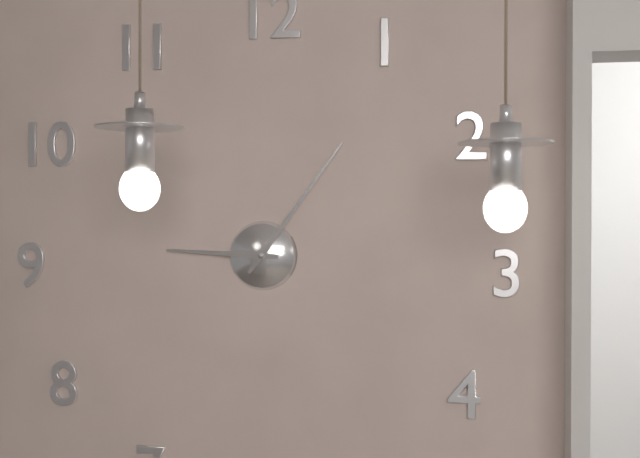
9:06
